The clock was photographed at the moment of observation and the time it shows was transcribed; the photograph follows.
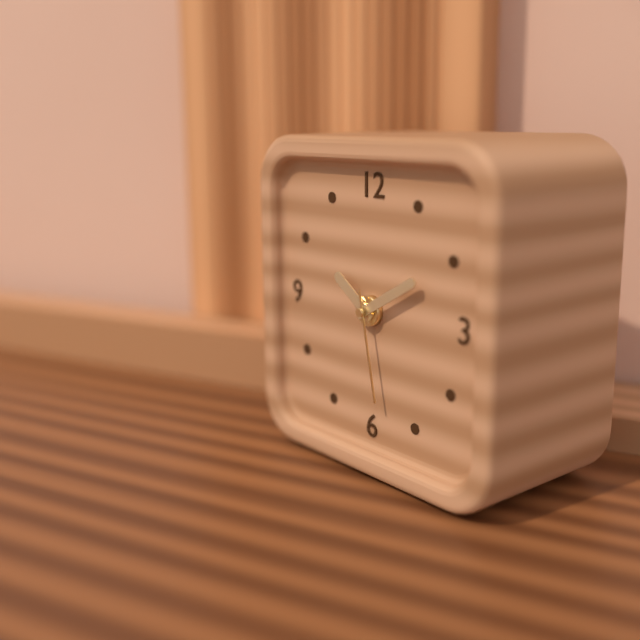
10:10:28
